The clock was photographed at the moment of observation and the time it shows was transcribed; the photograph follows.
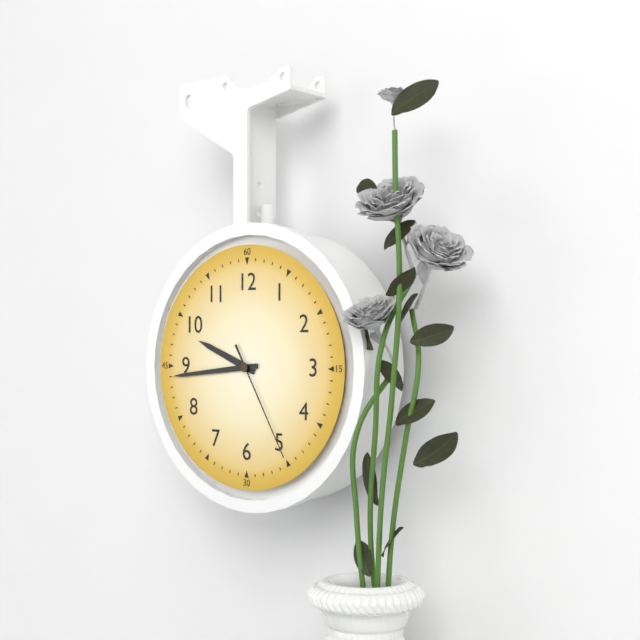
9:44:25
